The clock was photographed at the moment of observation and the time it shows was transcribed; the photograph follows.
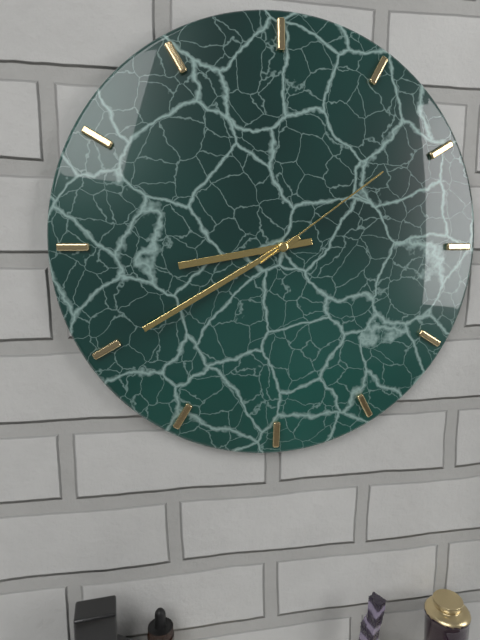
8:40:09
